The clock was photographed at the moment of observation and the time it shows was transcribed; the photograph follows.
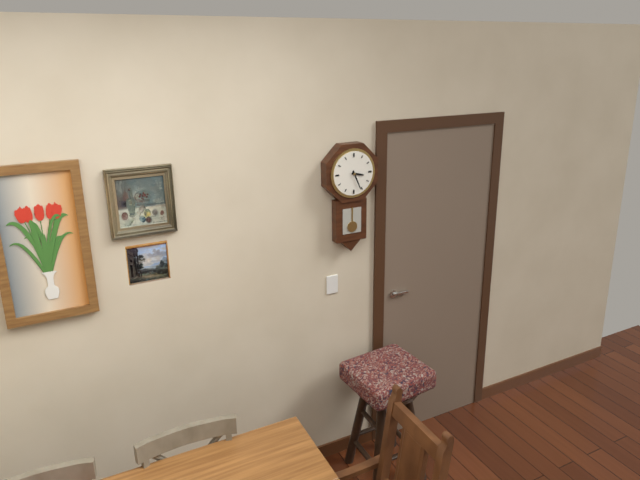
3:26
